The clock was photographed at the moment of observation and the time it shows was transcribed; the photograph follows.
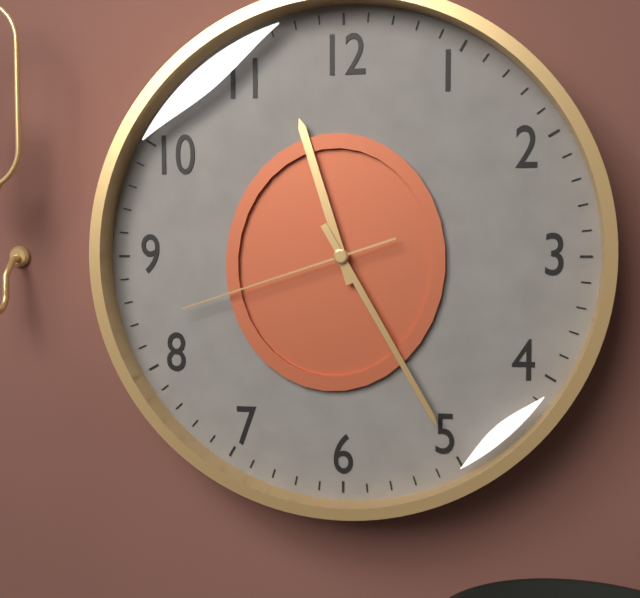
11:25:42
